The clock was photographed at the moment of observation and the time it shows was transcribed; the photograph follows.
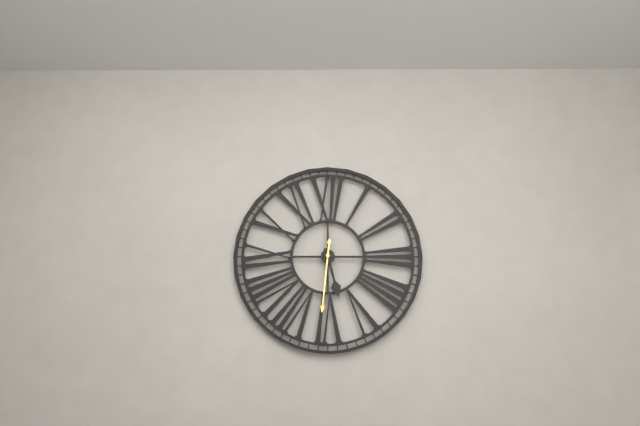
5:31
